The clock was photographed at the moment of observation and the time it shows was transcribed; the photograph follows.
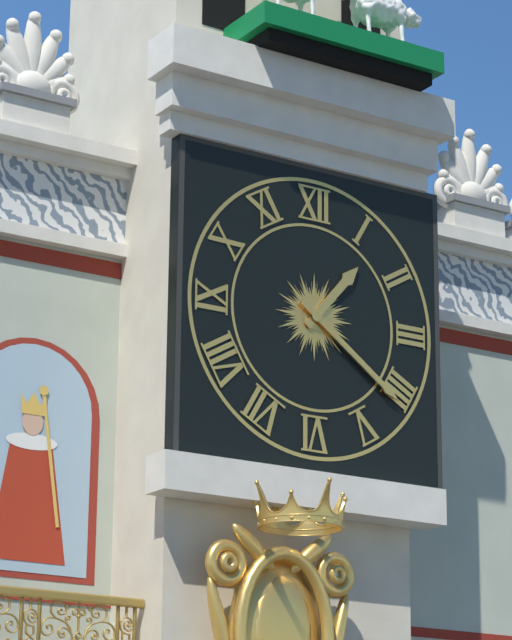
1:21
